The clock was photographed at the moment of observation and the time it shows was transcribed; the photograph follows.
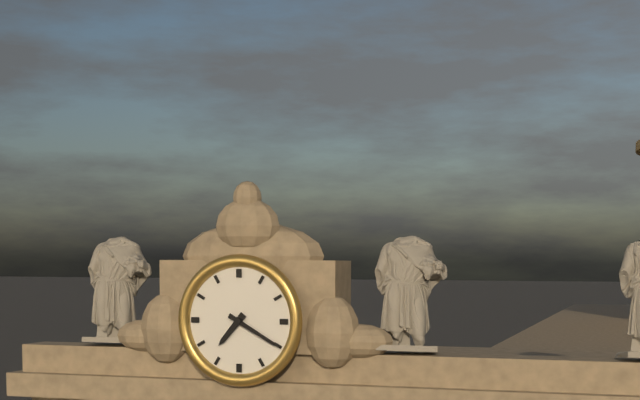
7:20
